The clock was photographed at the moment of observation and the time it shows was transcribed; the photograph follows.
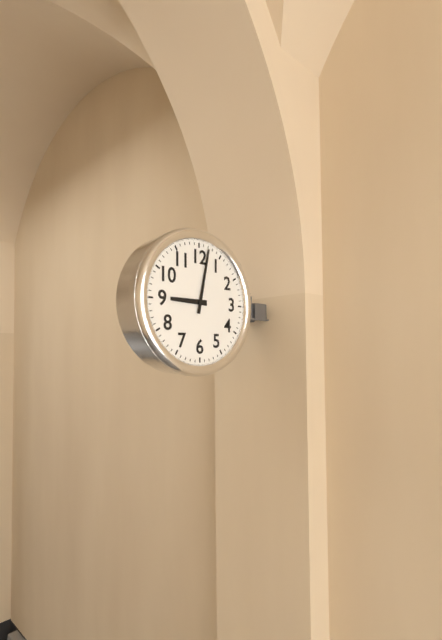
9:02
